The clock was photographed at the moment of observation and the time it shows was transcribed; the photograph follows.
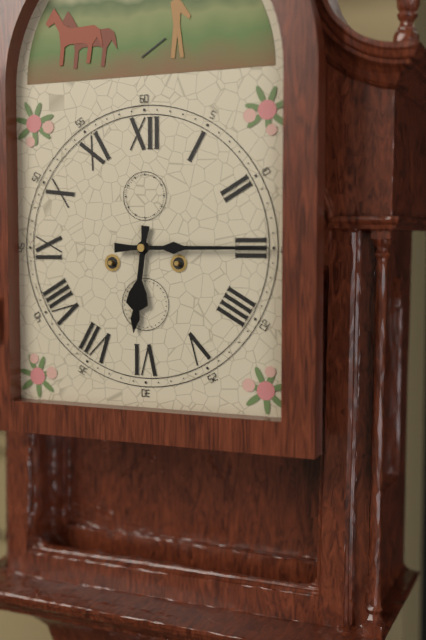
6:15
